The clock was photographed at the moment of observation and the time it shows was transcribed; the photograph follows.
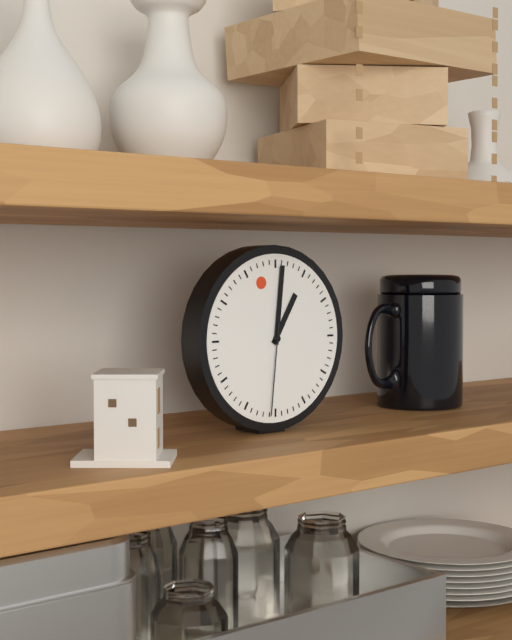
1:01:31
